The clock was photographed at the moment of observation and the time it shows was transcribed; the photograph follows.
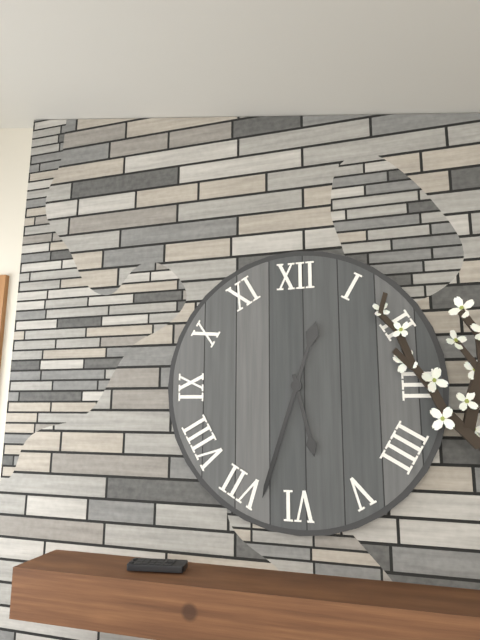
5:33
